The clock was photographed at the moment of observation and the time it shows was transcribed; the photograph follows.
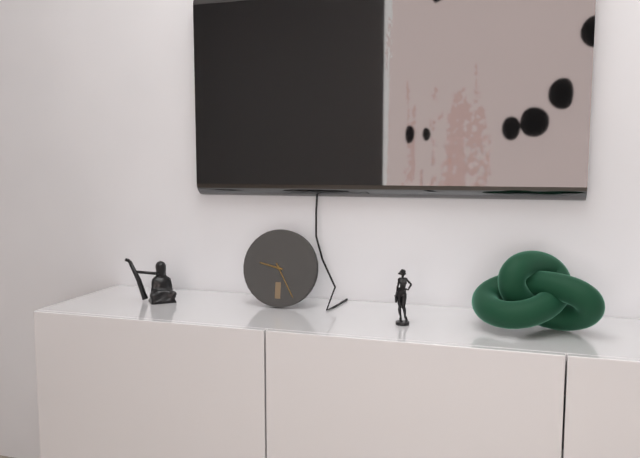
9:25
